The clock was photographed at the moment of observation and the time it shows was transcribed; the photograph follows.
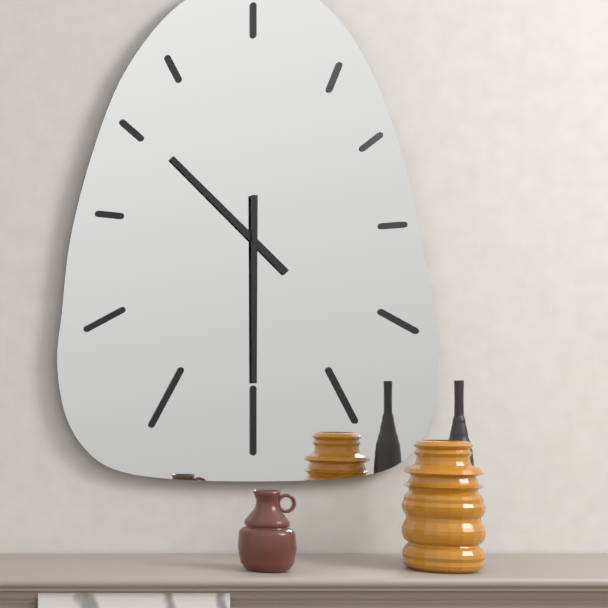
10:30
